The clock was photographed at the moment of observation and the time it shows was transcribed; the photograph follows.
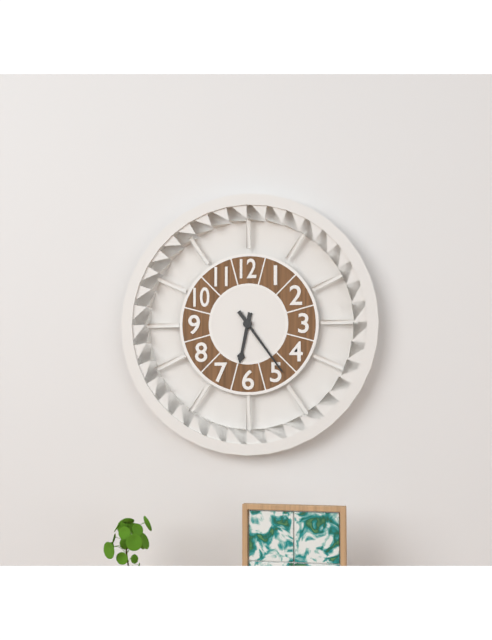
6:24
